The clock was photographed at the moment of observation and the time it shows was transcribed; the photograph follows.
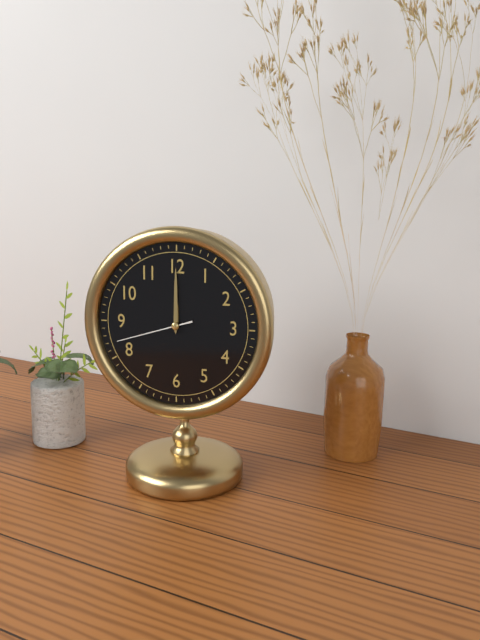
12:00:42
